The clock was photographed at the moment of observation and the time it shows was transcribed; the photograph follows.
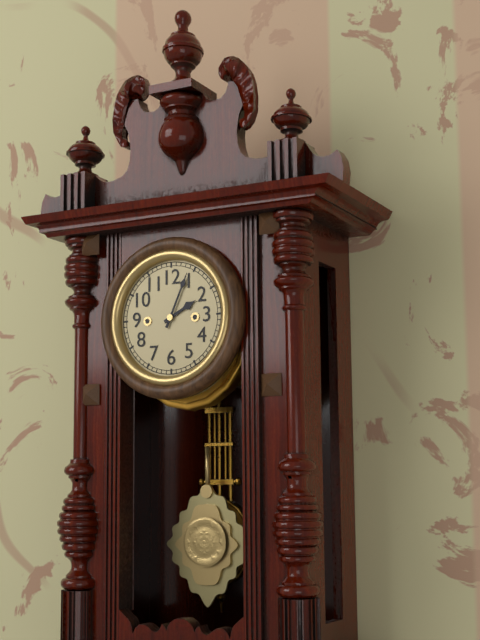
2:04
